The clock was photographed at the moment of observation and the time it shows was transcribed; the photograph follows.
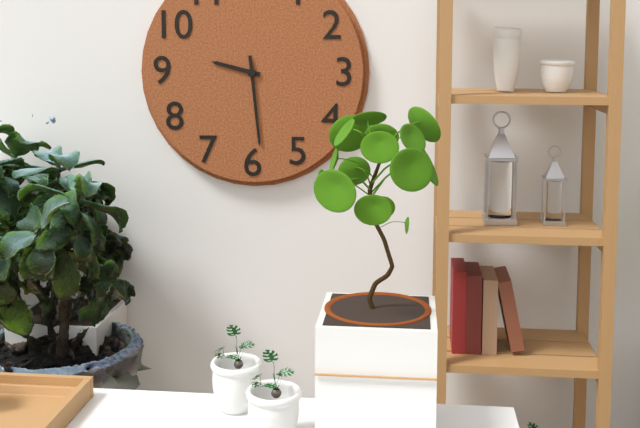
9:29
